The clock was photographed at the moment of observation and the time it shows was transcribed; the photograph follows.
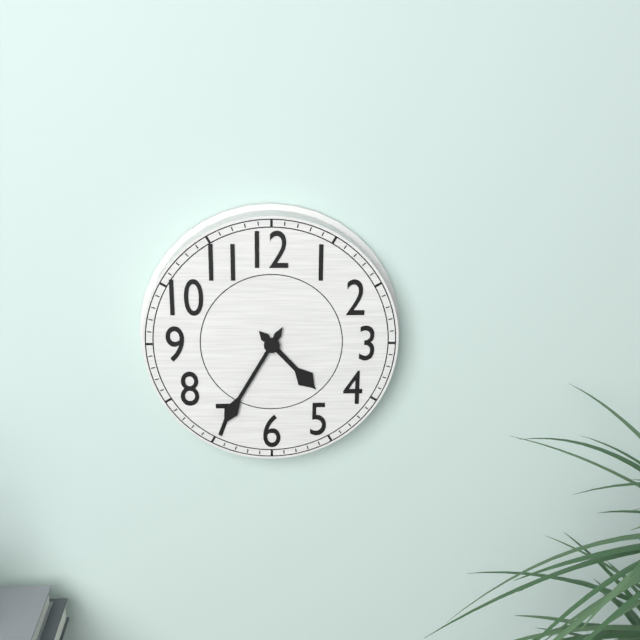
4:35
